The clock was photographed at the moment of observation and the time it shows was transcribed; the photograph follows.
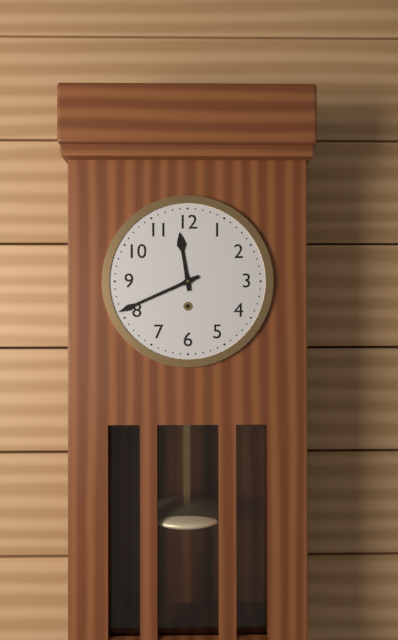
11:41
